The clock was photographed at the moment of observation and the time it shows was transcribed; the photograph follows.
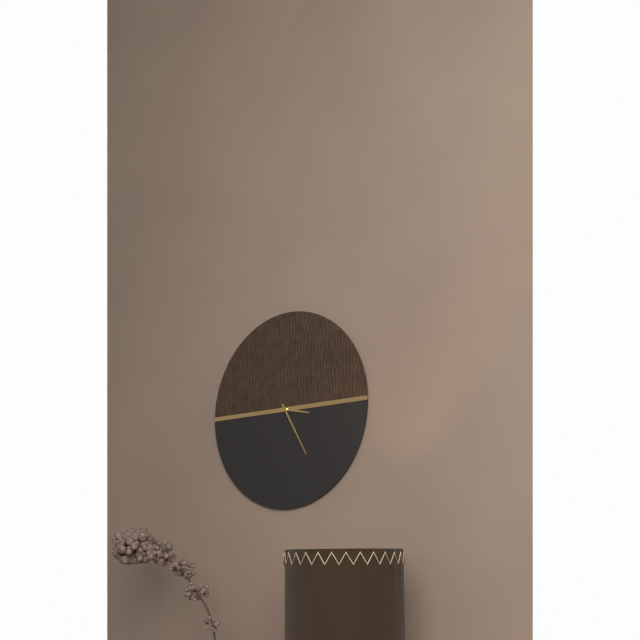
3:25
